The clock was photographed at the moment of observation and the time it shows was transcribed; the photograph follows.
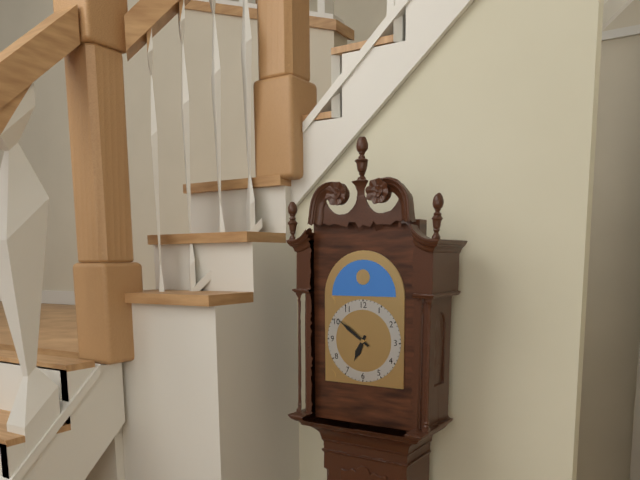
6:51
